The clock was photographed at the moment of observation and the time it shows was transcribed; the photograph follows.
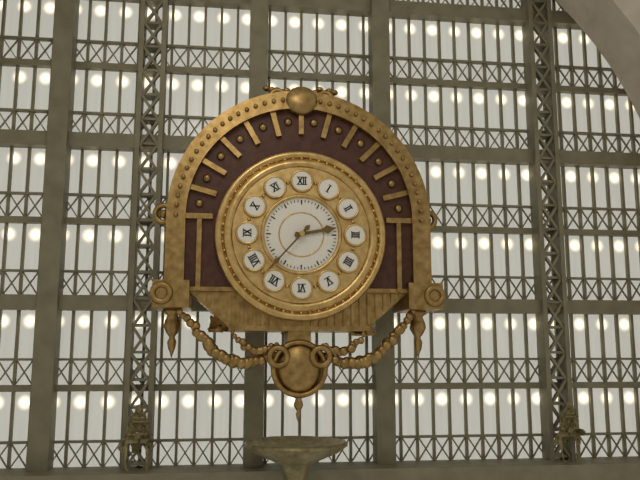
2:37
